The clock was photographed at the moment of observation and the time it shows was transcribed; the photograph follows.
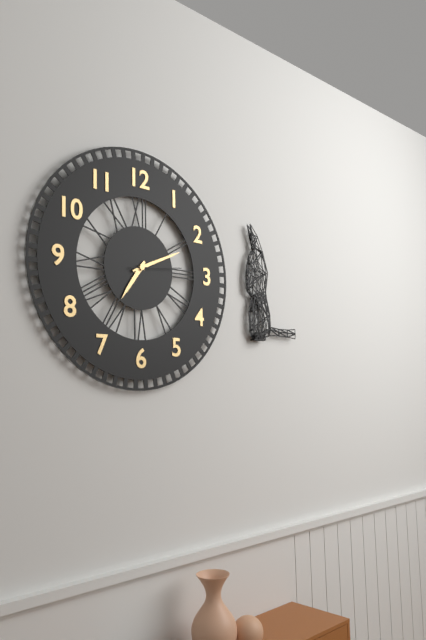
7:11:14
